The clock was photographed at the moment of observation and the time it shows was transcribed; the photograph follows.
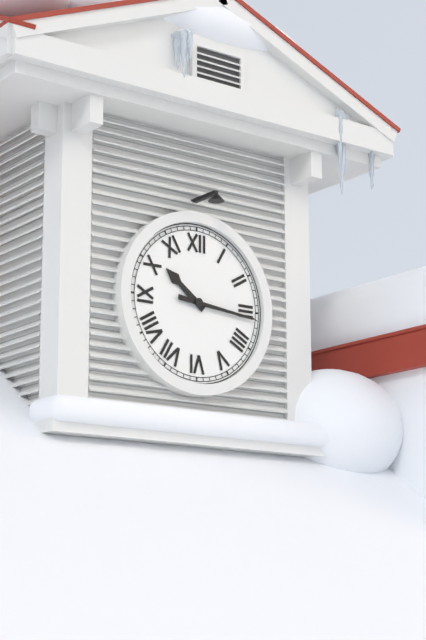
10:16
